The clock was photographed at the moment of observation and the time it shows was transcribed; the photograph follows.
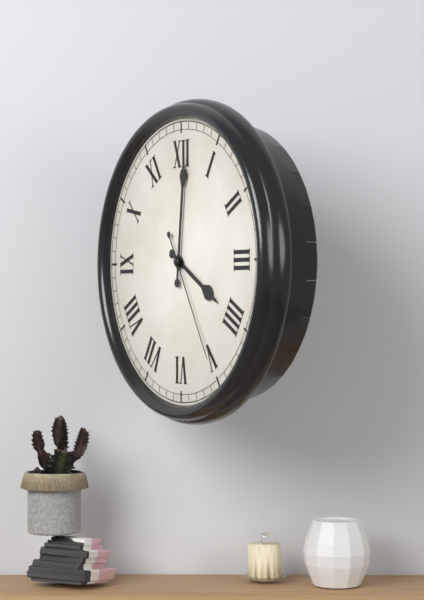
4:01:25
